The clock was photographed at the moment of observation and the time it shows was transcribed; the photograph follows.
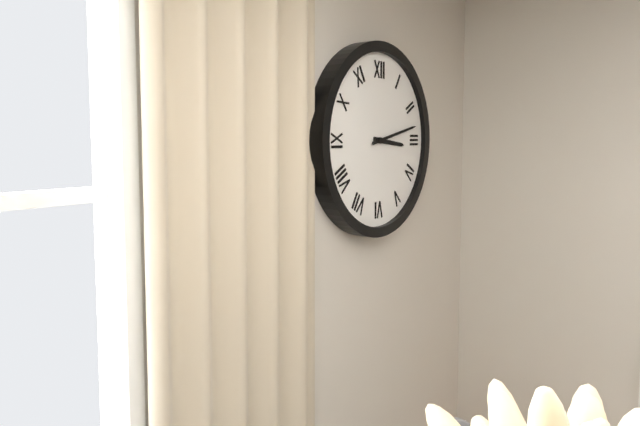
3:13
